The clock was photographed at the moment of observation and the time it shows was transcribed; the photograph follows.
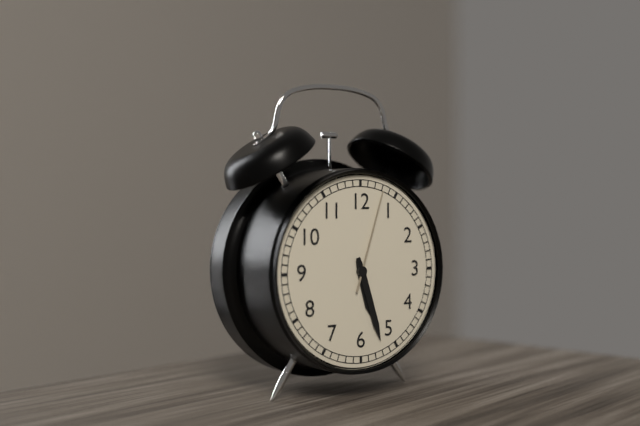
5:27:03
